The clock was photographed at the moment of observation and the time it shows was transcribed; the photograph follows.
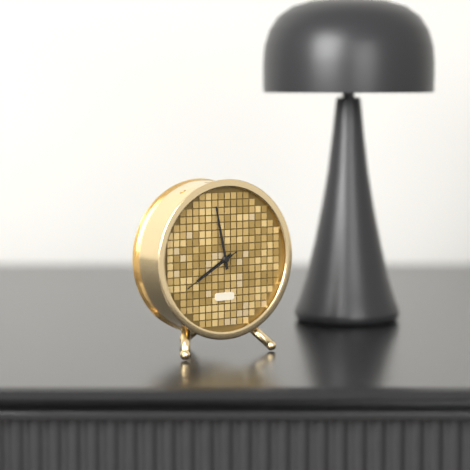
7:58:40
